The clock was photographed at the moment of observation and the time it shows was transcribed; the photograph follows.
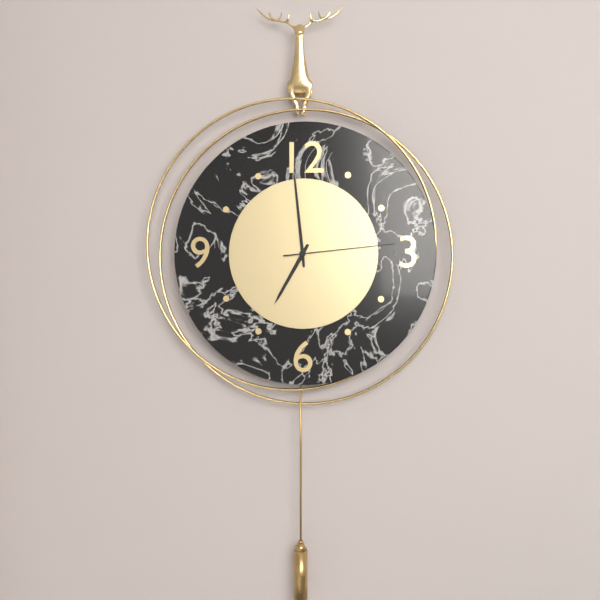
6:59:14
